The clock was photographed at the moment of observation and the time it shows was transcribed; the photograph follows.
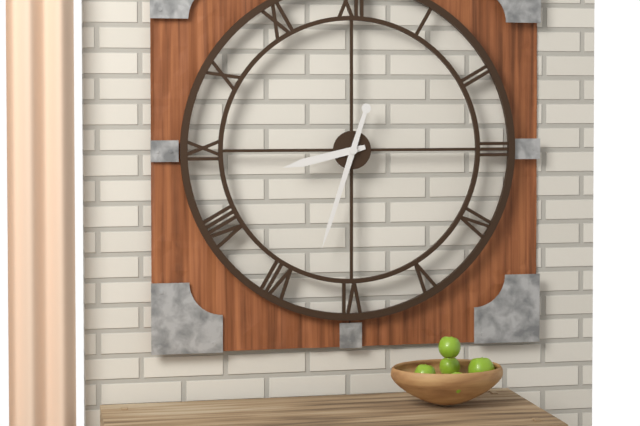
8:33
